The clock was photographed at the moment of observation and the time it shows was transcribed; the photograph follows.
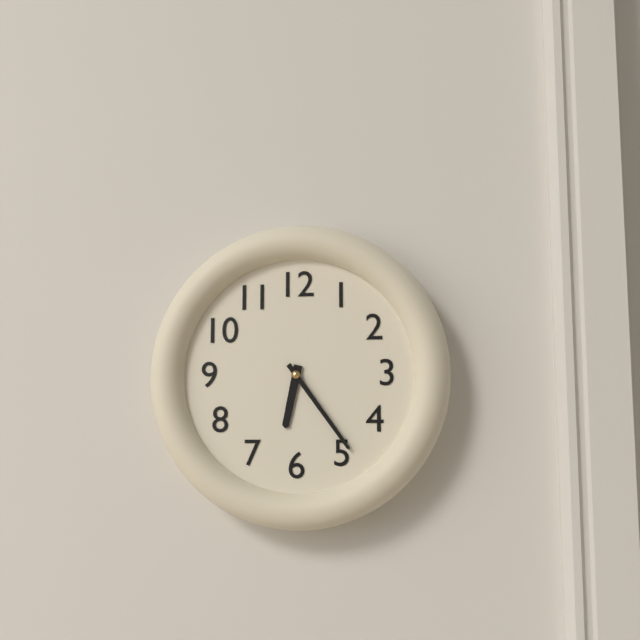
6:24
